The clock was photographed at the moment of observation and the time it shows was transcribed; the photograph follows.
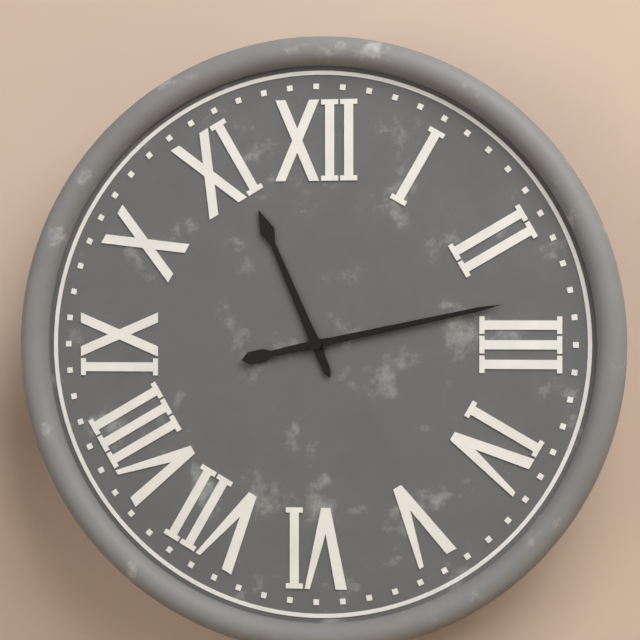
11:13
